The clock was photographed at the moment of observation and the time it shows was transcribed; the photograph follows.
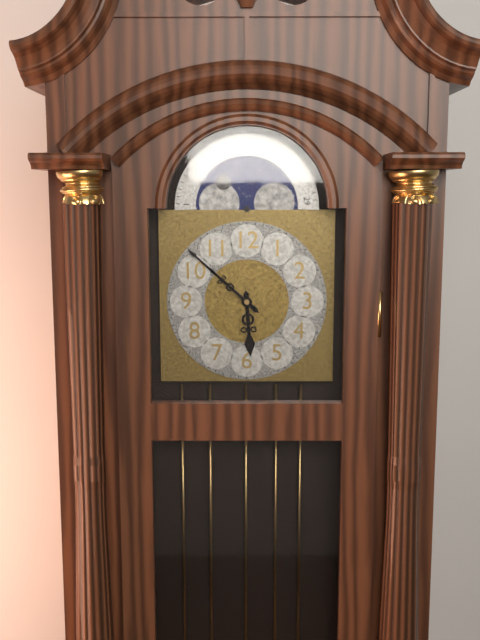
5:52
